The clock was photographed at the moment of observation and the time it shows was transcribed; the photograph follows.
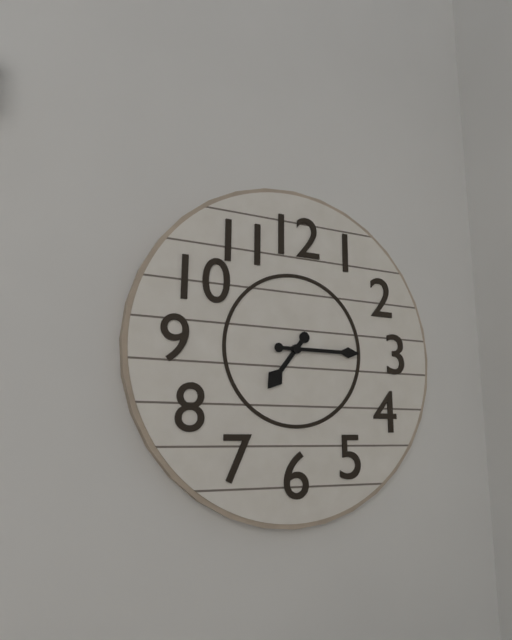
7:15
